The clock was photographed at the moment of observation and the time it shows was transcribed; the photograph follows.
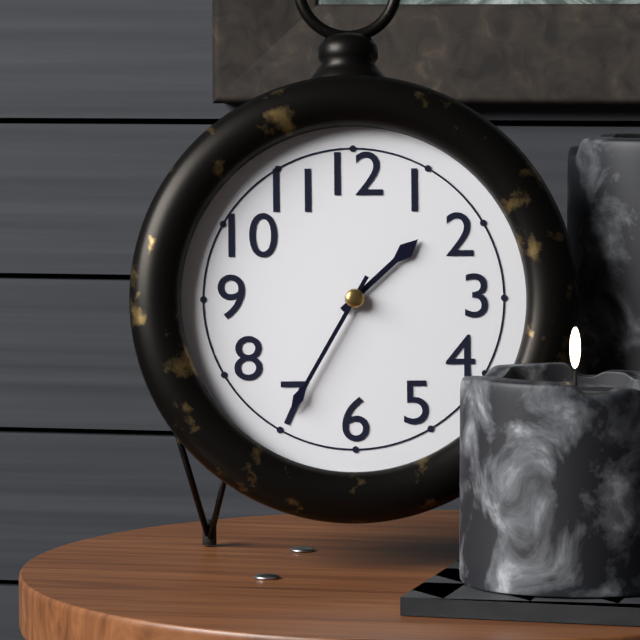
1:35
